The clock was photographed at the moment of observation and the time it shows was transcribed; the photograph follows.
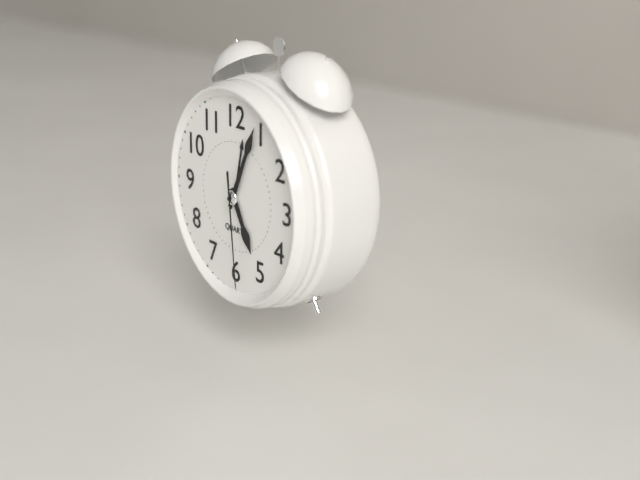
5:04:29
